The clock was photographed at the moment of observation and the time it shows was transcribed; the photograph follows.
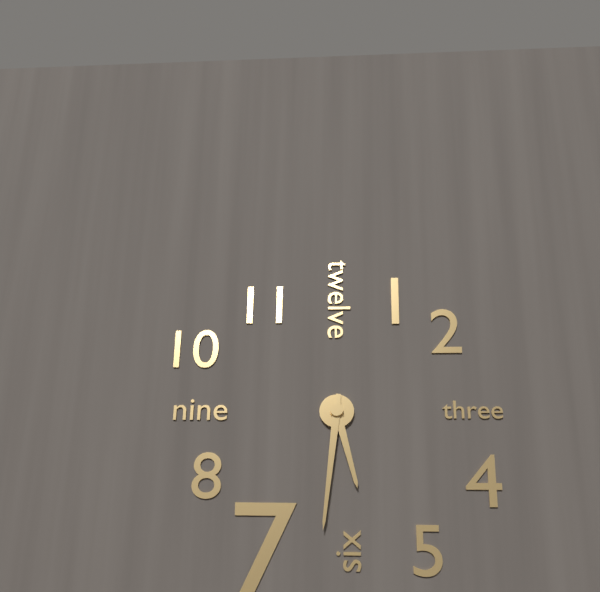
5:31
